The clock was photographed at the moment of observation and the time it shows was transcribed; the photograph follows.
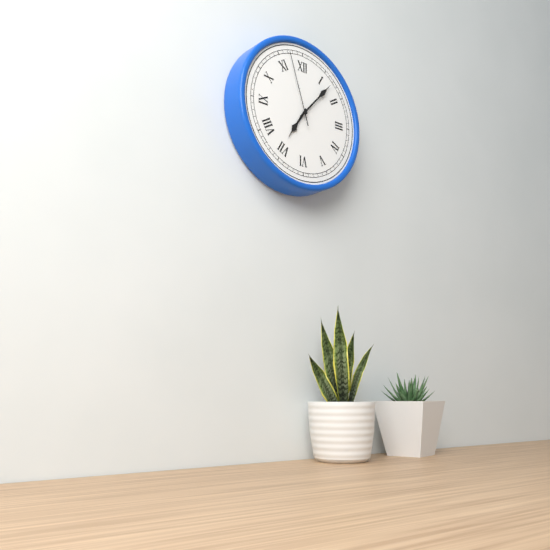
7:07:57
